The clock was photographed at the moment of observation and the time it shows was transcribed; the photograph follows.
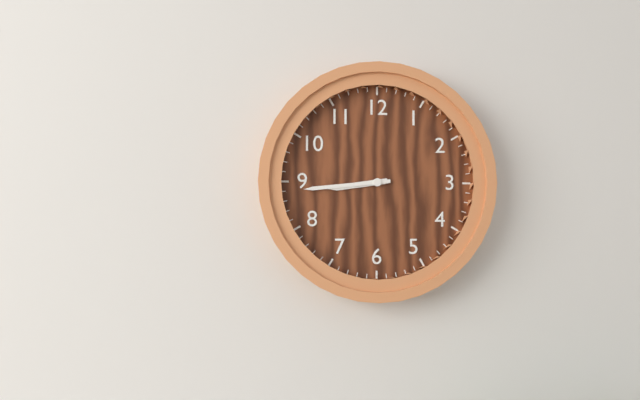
8:44
